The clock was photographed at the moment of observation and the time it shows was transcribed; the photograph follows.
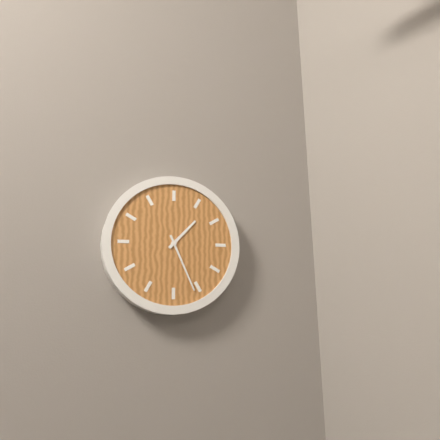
1:26
